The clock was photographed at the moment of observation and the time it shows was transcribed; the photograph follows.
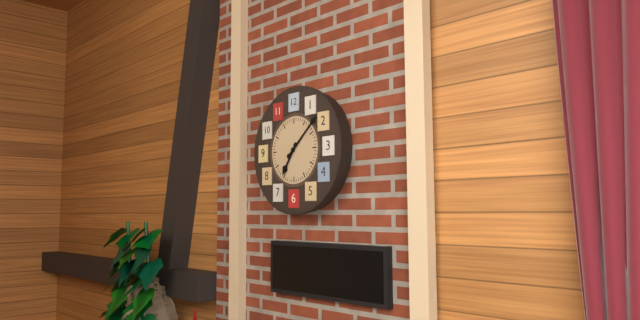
7:08
